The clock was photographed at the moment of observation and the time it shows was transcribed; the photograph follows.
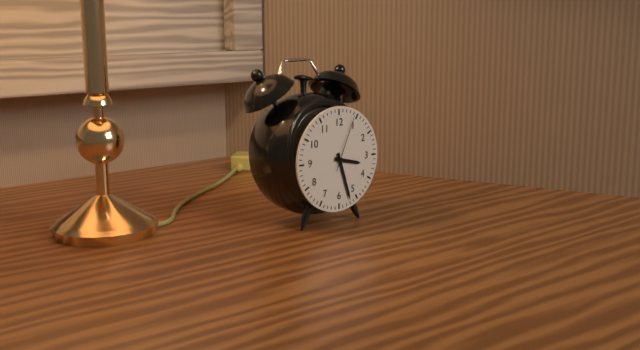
3:27:04
